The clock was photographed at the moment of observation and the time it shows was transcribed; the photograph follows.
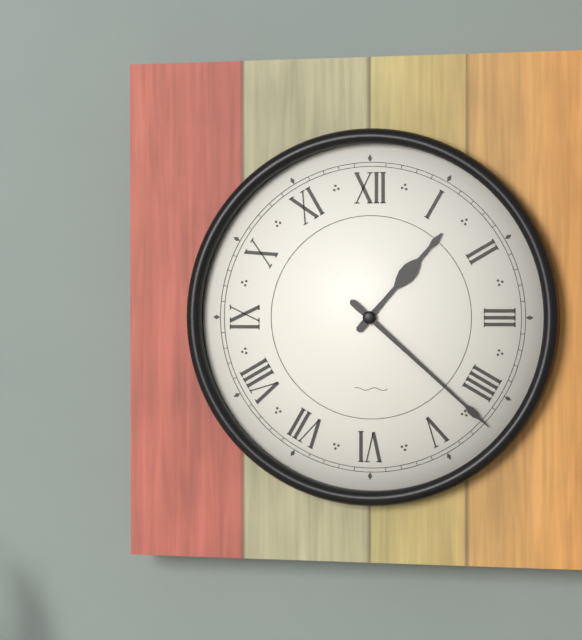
1:22
